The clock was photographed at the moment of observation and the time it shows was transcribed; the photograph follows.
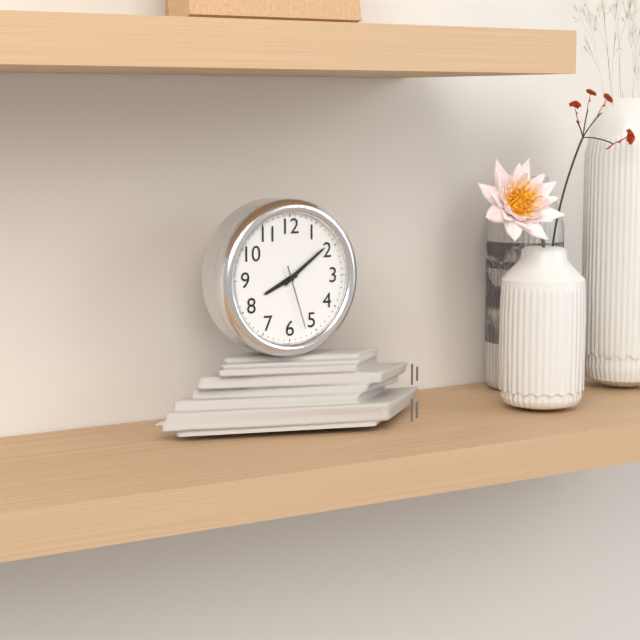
8:09:27
